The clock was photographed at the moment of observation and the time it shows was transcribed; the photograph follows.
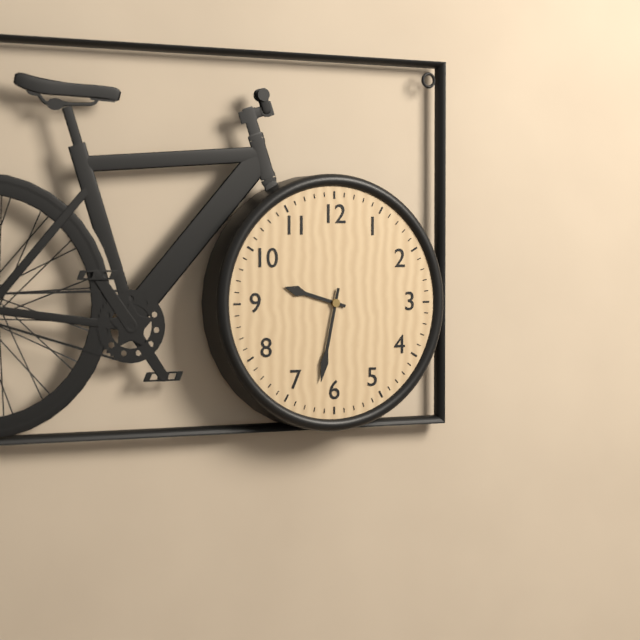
9:32
